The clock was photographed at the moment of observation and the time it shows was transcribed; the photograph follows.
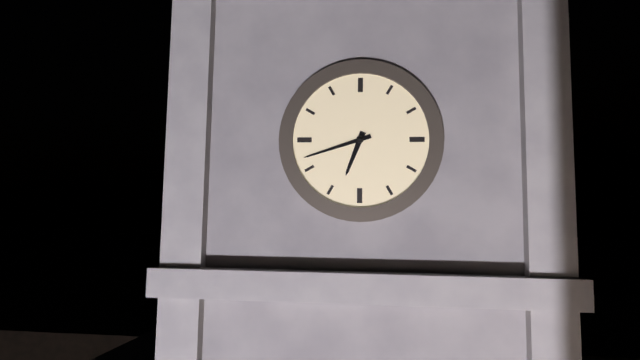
6:42
